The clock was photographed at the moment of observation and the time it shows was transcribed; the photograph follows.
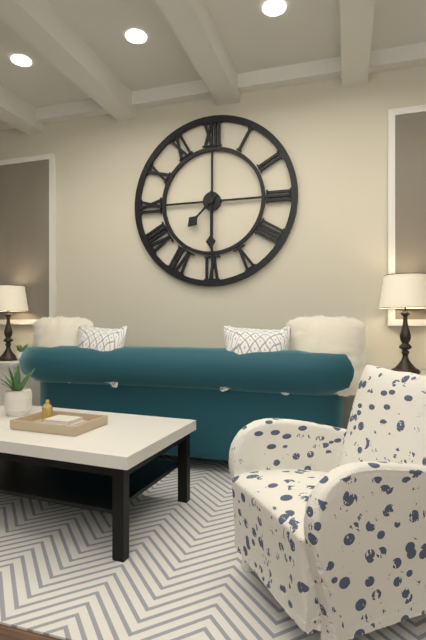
7:30
